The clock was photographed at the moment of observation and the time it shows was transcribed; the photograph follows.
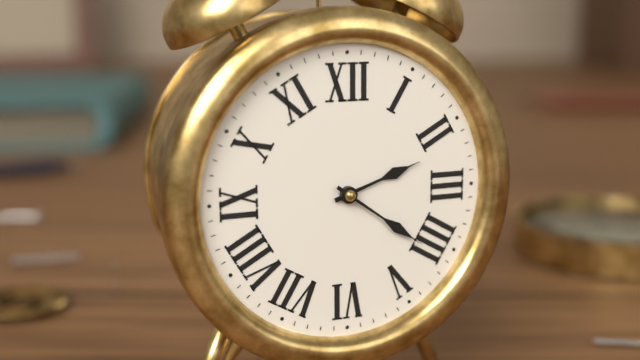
2:21
